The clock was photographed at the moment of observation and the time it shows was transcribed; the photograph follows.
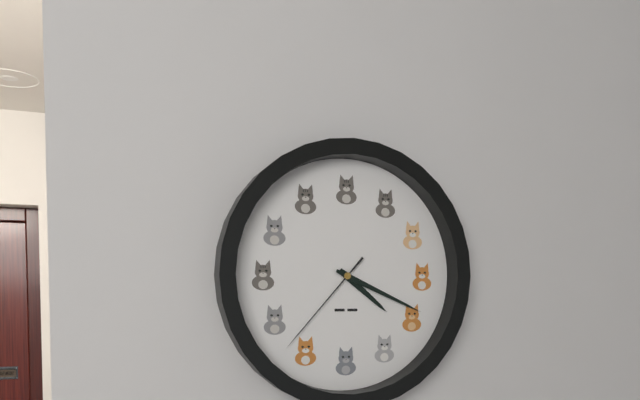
4:19:37
